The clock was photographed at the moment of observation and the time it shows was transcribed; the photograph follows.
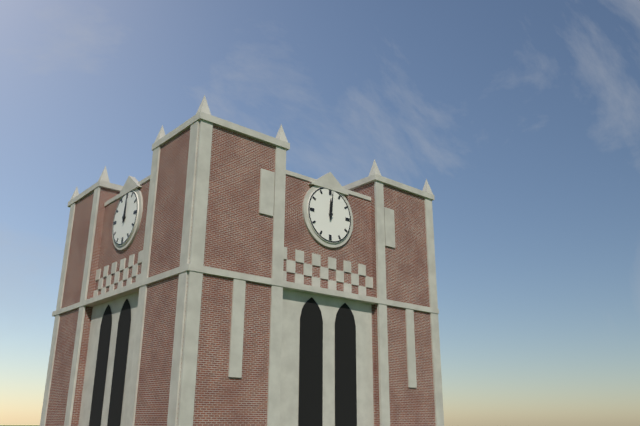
12:01
